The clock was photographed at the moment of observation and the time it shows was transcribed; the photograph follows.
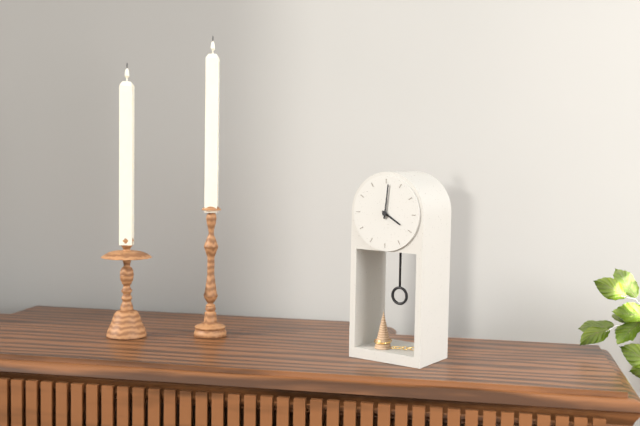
4:01
